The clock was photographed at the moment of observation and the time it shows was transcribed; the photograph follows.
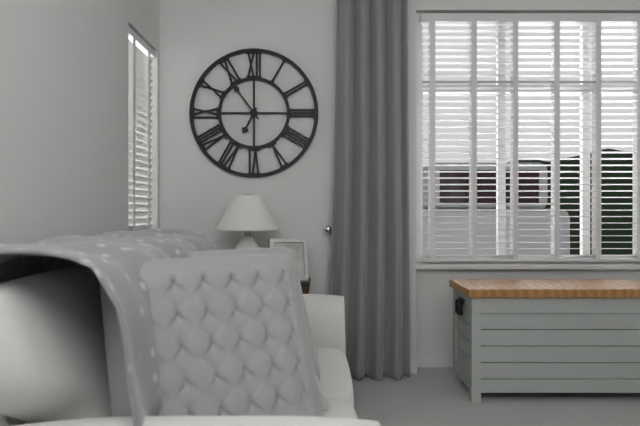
6:54
